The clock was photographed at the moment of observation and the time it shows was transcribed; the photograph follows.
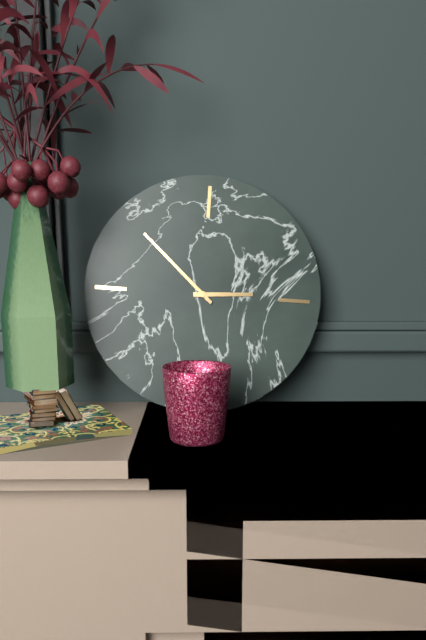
2:52
